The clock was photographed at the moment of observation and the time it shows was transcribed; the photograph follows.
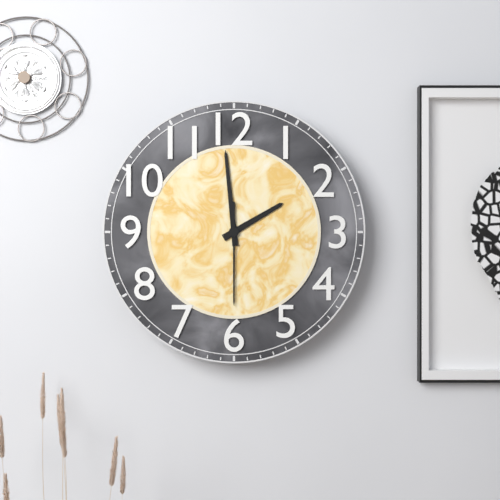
1:59:30
